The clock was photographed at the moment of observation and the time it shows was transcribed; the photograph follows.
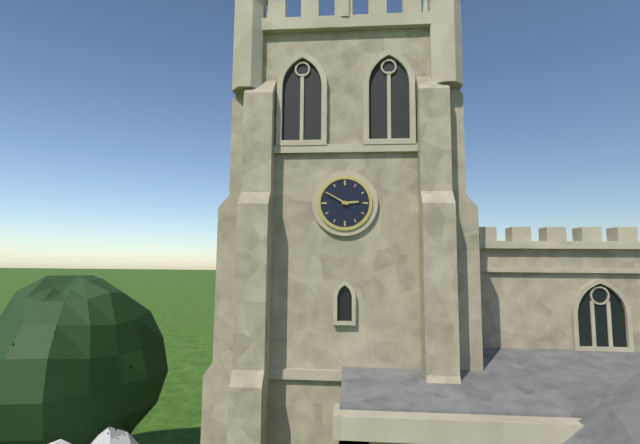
2:50
